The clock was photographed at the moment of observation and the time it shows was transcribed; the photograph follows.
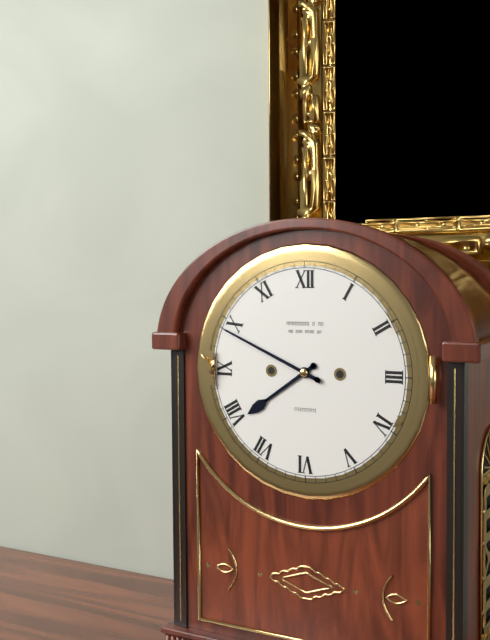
7:49
